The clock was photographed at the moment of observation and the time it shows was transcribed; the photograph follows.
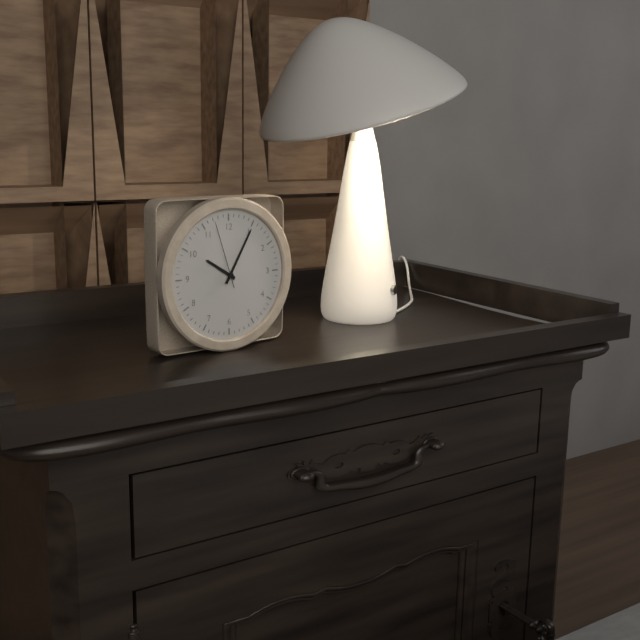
10:05:57
